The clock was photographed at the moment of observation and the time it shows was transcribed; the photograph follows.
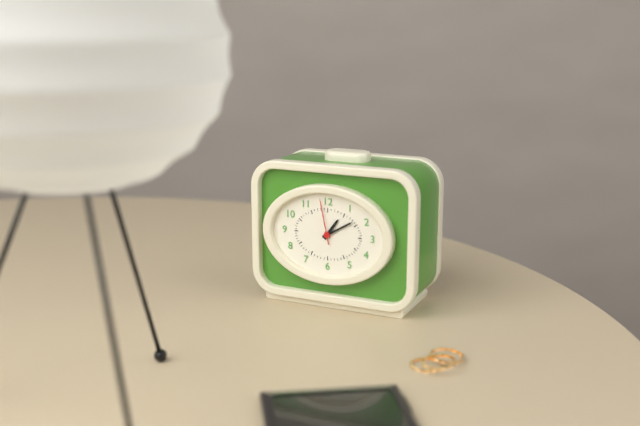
1:10
